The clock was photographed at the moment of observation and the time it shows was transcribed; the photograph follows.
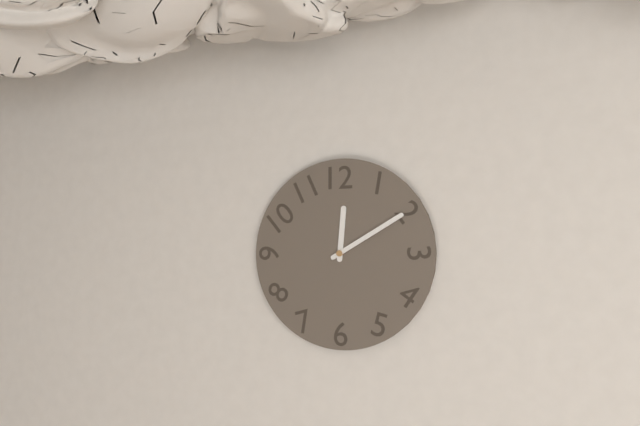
12:10
